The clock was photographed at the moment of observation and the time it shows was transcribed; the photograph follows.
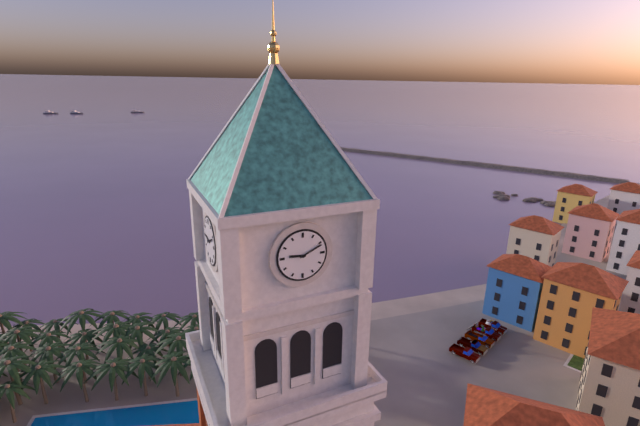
9:11
